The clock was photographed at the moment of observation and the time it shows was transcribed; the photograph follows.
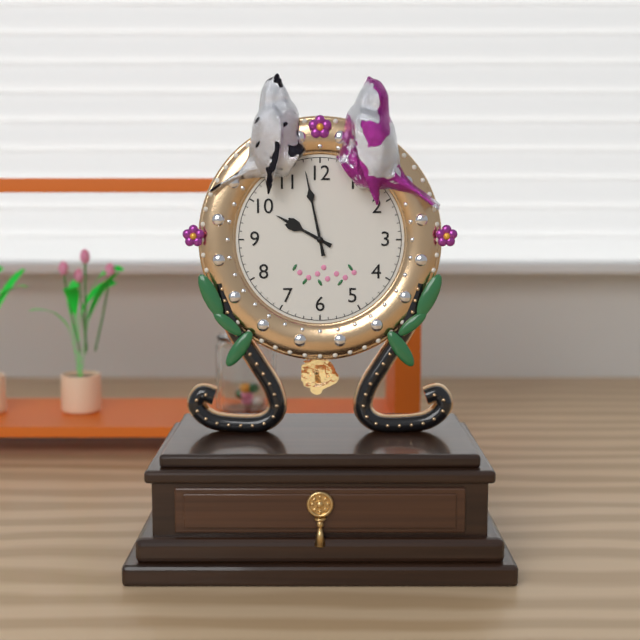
9:58
